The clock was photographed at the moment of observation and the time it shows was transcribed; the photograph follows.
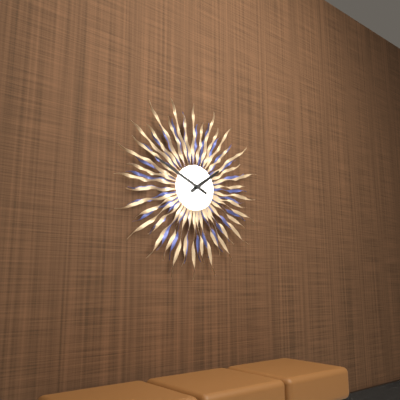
1:49
